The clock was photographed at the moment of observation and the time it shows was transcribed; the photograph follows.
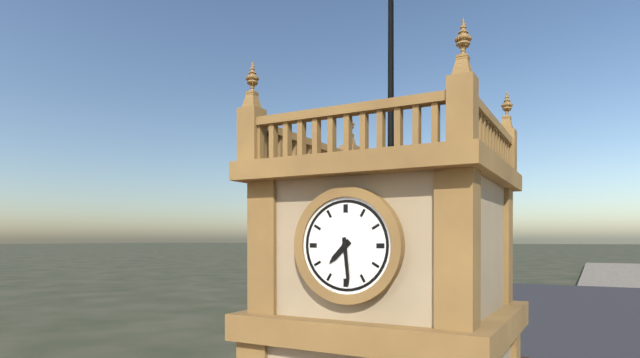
7:29
